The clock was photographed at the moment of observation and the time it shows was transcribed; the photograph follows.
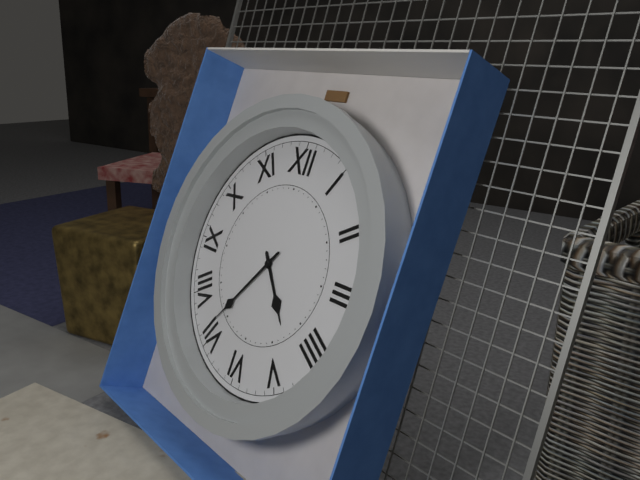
4:36
